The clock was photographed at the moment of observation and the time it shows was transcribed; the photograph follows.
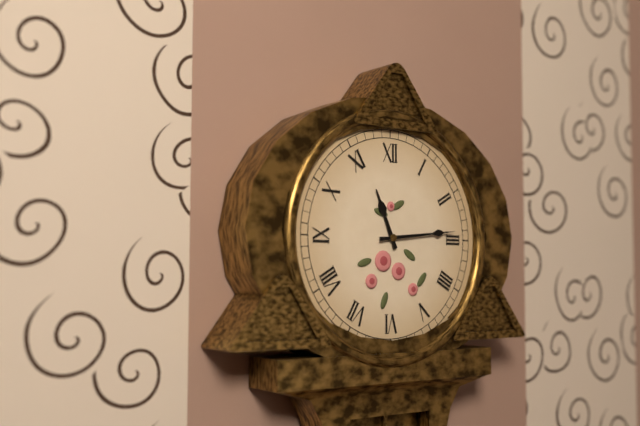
11:14
